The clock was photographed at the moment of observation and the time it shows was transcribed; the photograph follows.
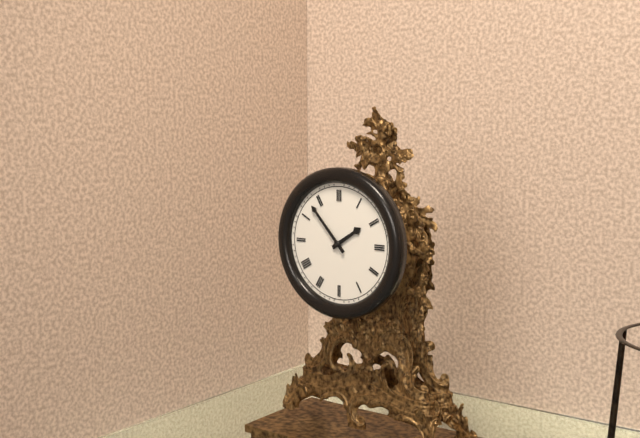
1:53
